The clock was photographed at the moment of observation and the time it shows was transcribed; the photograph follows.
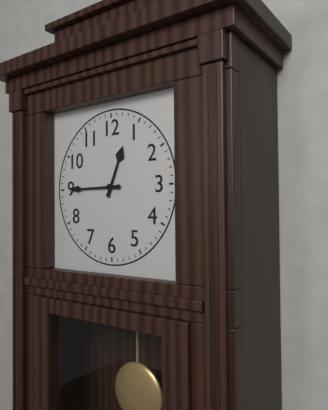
12:45
